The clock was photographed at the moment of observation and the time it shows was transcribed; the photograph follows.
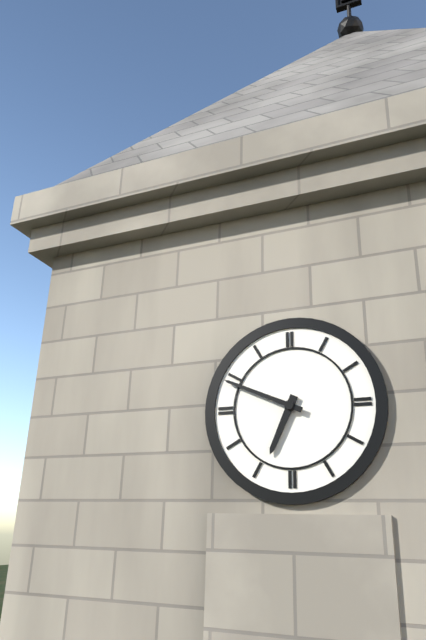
6:49
